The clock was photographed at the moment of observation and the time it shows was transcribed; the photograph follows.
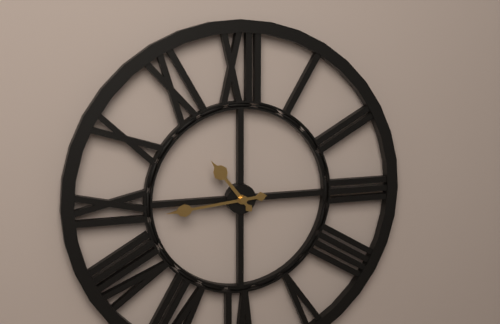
10:44
